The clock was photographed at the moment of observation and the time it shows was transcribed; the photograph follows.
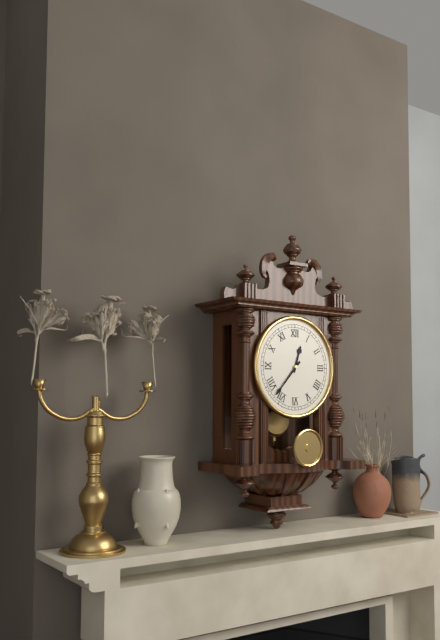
12:37
